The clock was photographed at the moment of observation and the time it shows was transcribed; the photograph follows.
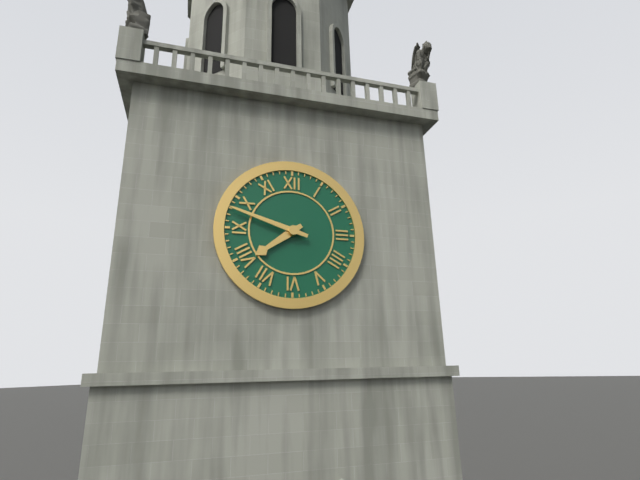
7:48
